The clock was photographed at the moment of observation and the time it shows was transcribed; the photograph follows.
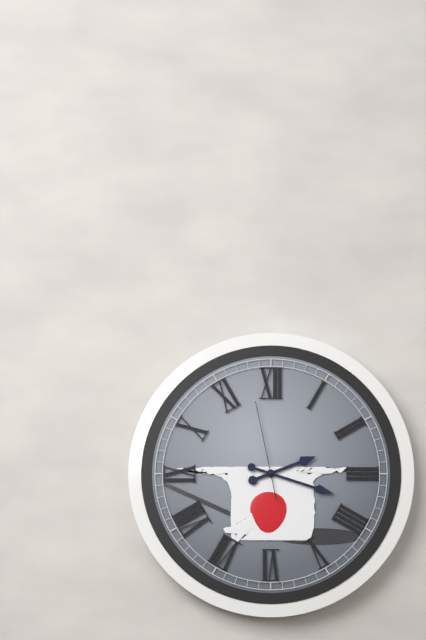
2:18:58
